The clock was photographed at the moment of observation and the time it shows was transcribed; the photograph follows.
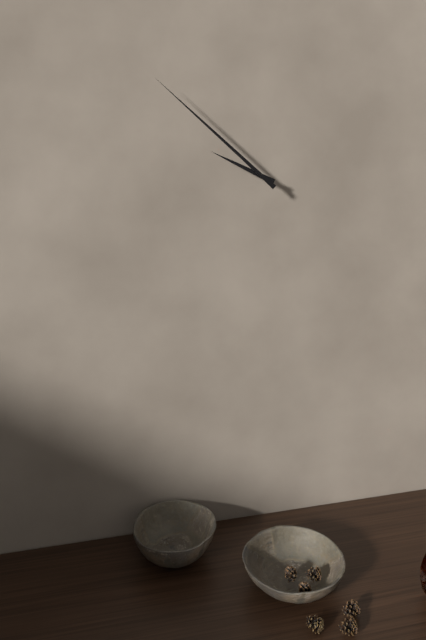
9:52
